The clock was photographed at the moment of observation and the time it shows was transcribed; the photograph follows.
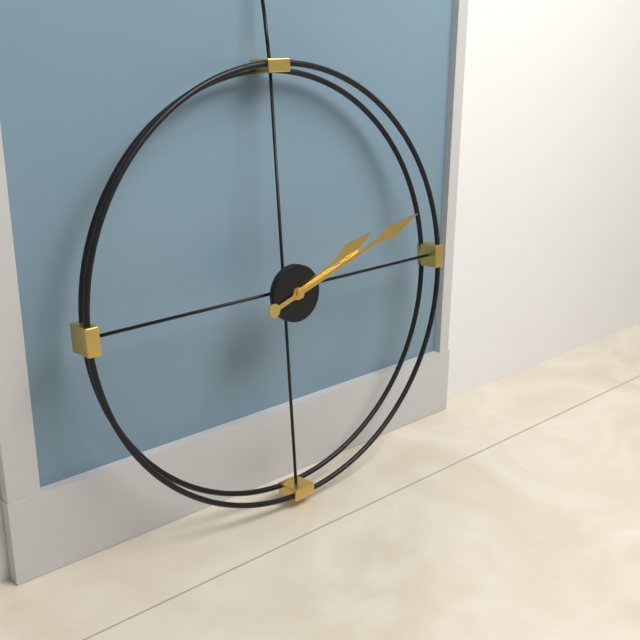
2:12
